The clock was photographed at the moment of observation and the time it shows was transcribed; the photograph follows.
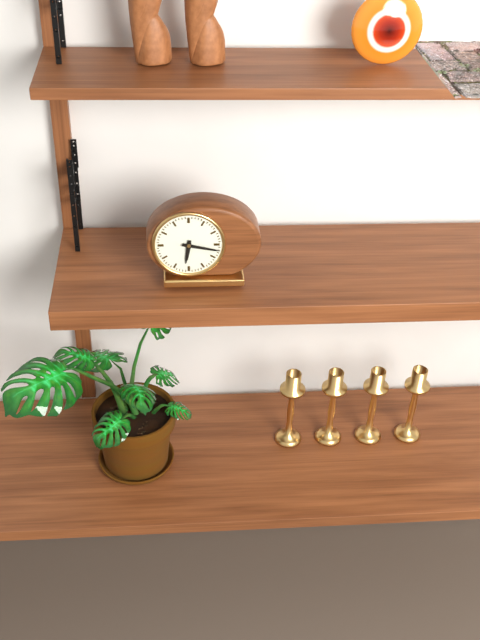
6:17
